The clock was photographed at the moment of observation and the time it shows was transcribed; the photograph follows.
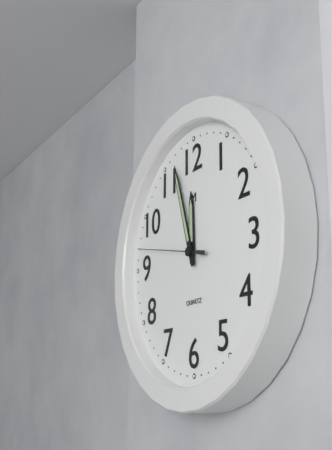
11:57:47
